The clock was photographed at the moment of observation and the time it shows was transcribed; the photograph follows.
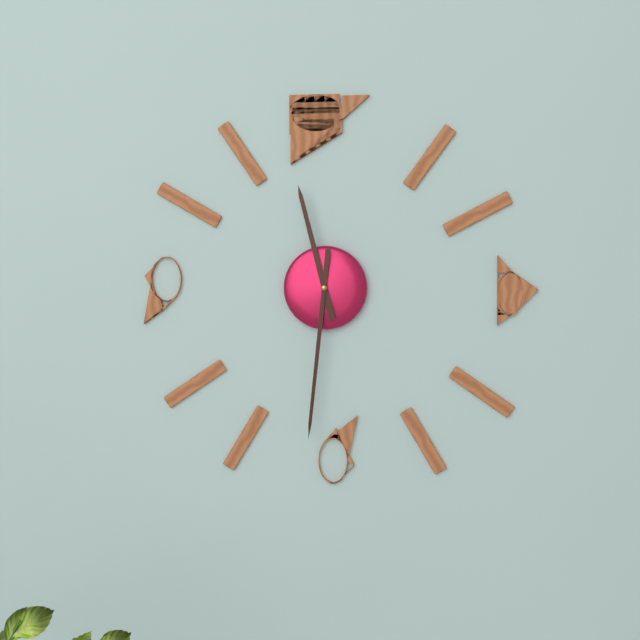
11:31
